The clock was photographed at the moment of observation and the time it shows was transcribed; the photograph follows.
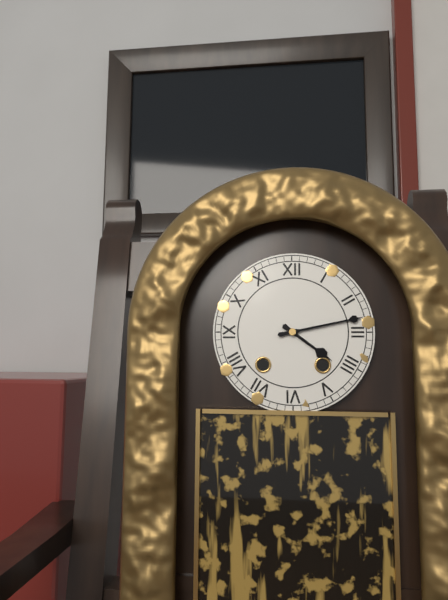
4:13
